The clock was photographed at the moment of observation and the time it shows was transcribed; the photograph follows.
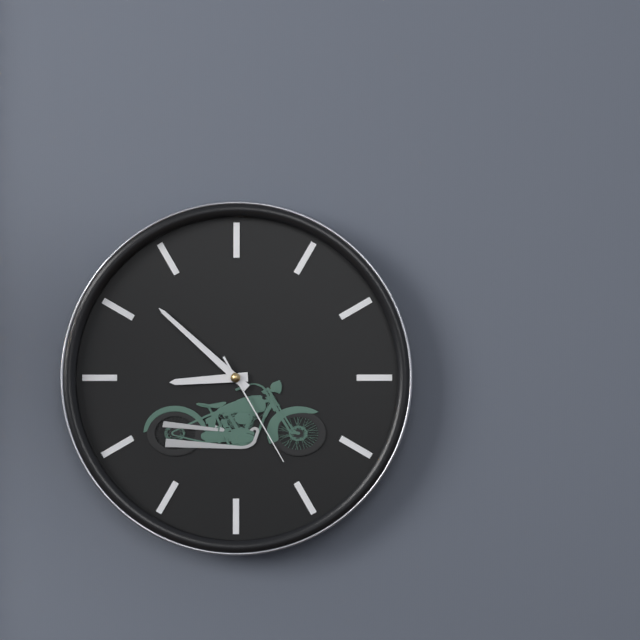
8:52:25
